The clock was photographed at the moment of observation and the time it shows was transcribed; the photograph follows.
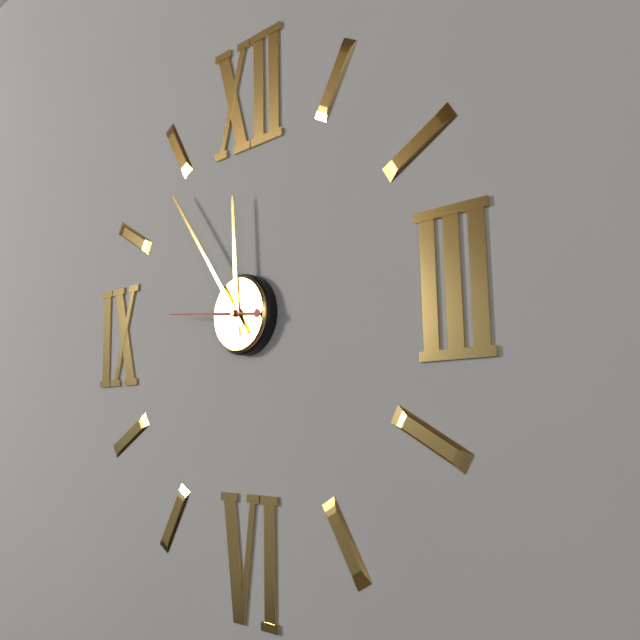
11:54:46
